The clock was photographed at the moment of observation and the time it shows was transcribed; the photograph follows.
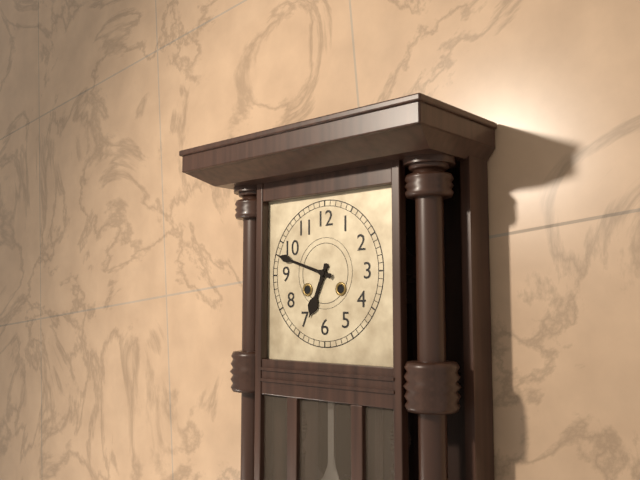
6:48
